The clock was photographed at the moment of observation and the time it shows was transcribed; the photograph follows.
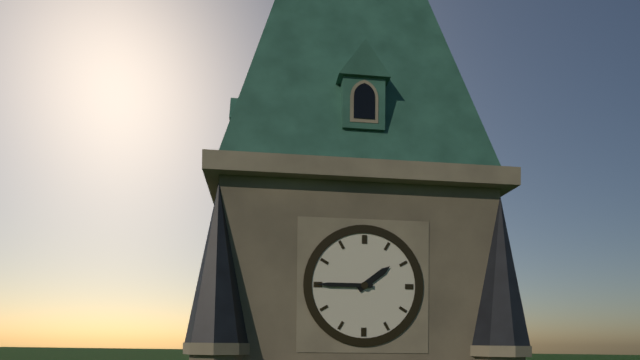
1:45
